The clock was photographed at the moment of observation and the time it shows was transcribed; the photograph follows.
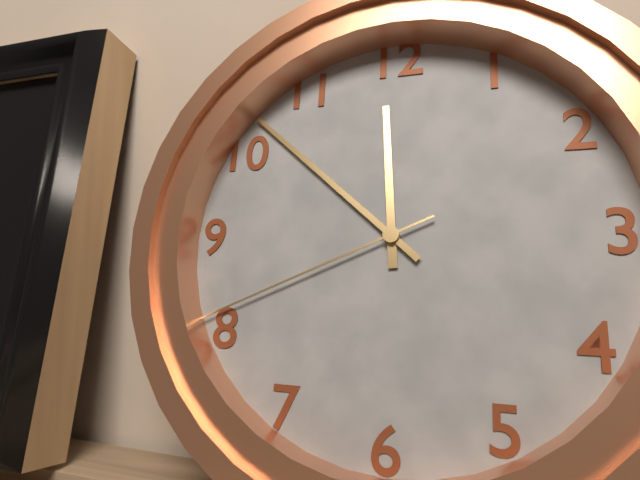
11:52:41
